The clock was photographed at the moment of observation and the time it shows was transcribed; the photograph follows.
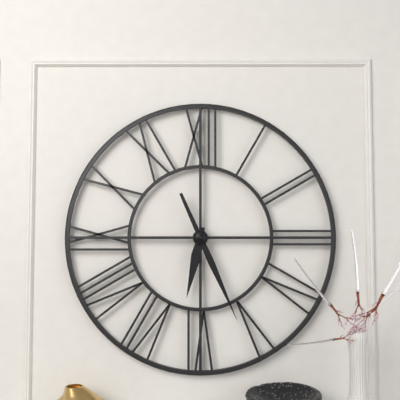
6:26
